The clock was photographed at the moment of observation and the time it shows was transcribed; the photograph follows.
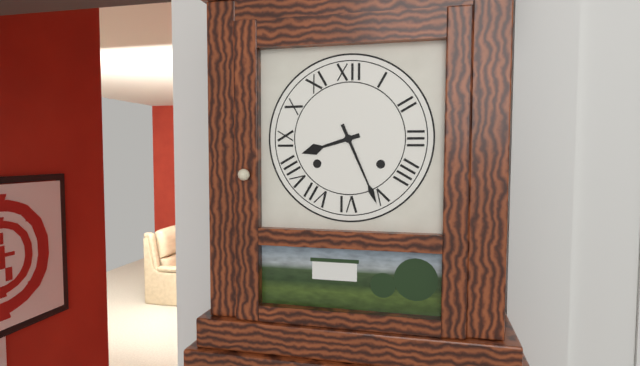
8:26
